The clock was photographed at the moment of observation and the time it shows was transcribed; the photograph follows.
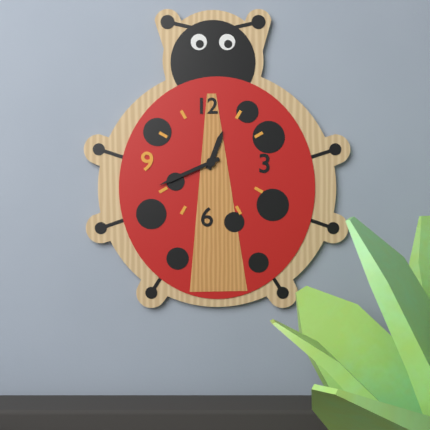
12:41
